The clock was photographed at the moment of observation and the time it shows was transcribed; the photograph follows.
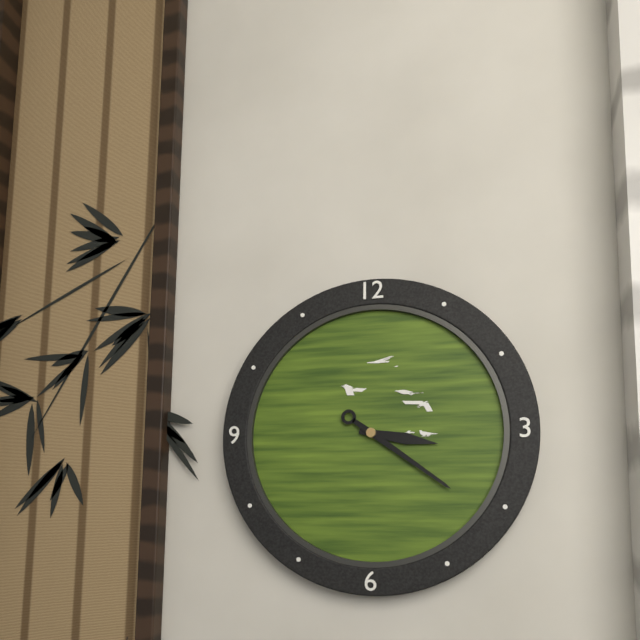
3:21
